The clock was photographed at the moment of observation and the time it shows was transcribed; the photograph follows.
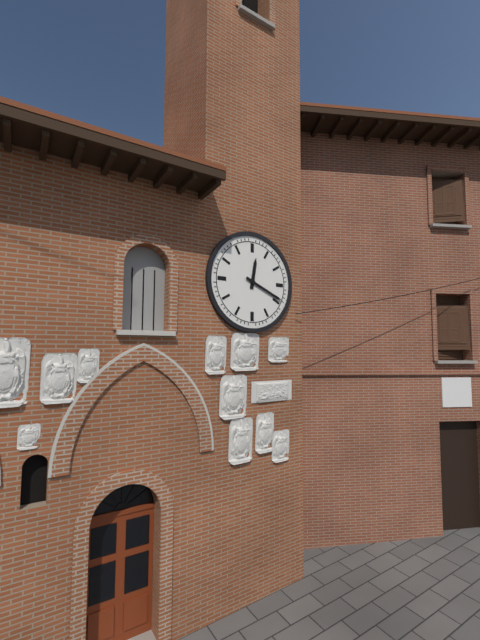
12:19
